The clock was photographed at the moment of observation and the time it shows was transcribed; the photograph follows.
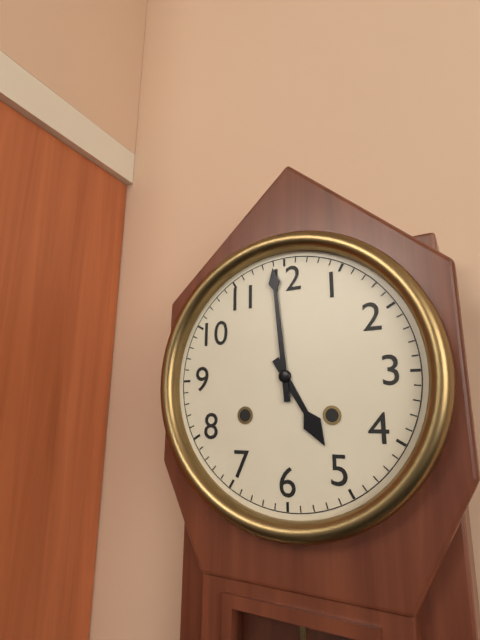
4:59
